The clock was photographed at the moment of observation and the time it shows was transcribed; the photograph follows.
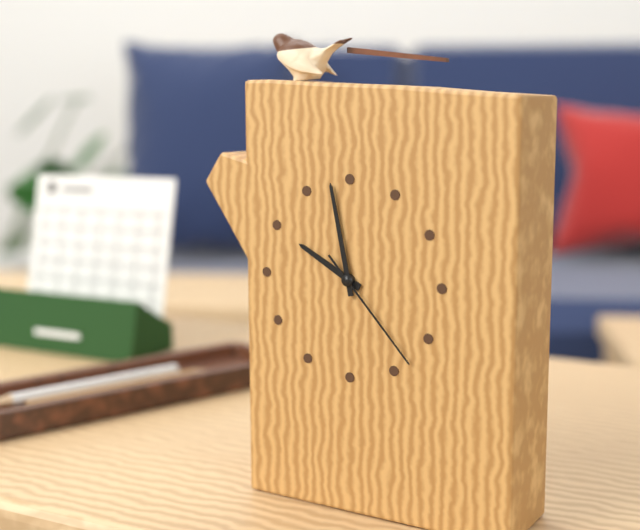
9:58:23
